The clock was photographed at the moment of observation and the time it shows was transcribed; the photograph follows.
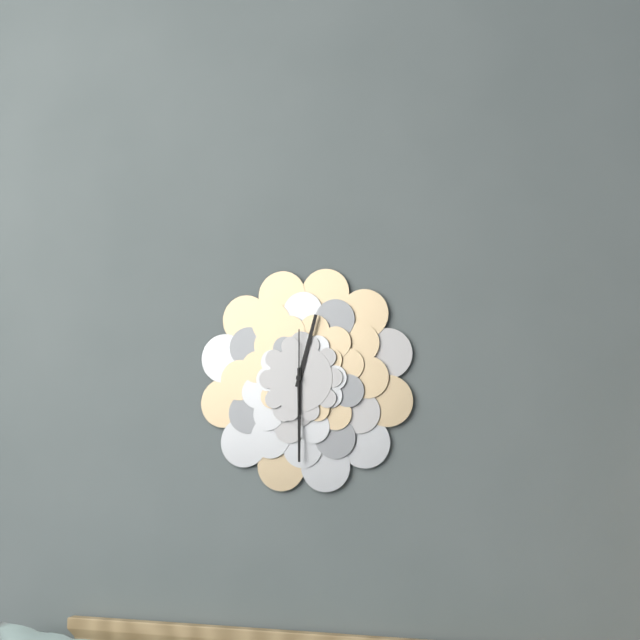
12:30:00
